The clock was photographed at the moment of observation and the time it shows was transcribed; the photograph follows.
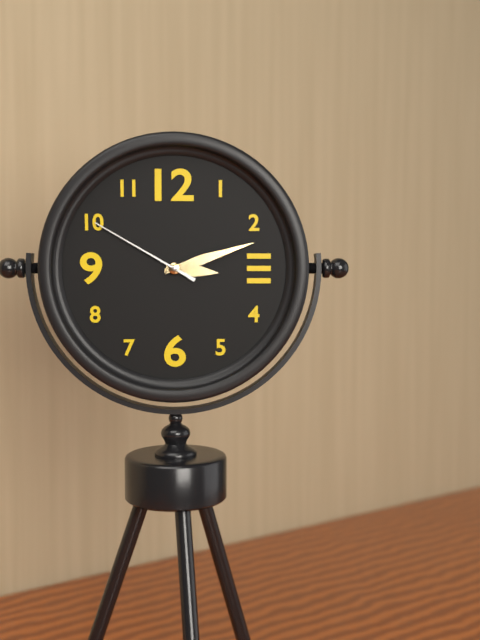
3:12:50
